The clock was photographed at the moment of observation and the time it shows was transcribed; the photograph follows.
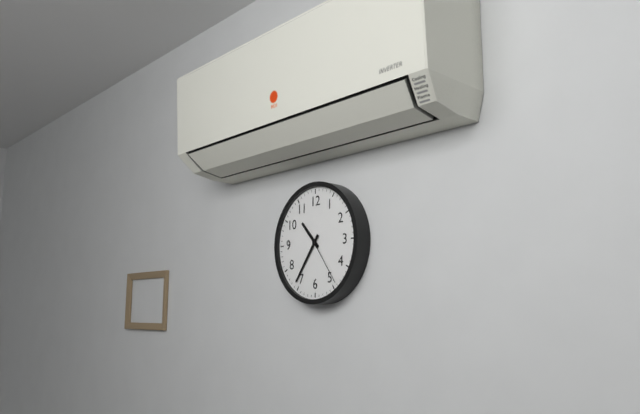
10:36
